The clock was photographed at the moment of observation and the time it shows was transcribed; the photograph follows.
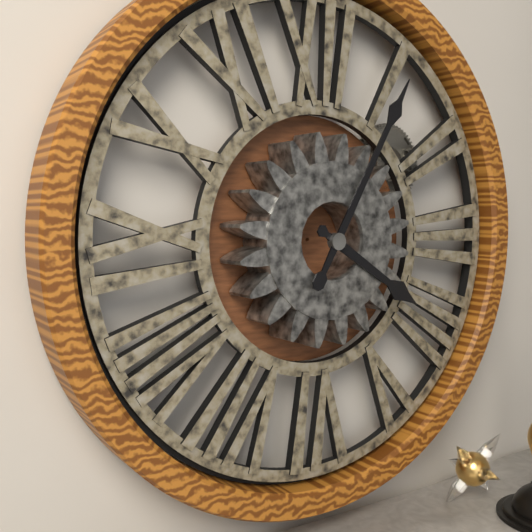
4:05
